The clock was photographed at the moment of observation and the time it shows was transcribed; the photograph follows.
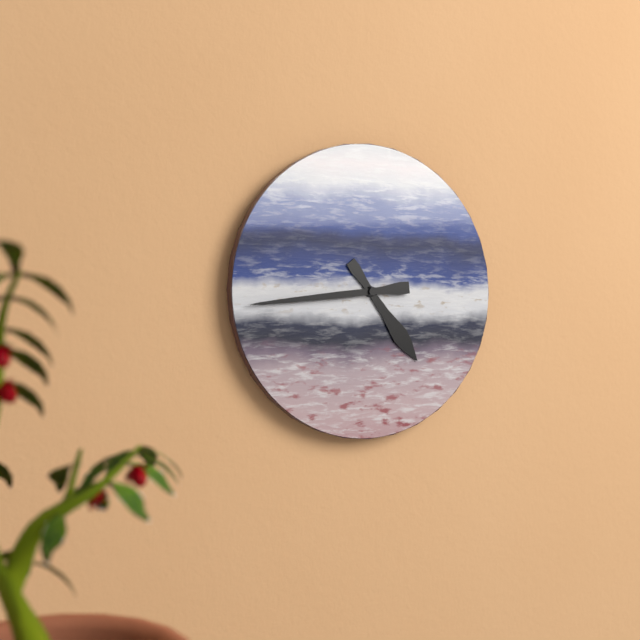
4:44
